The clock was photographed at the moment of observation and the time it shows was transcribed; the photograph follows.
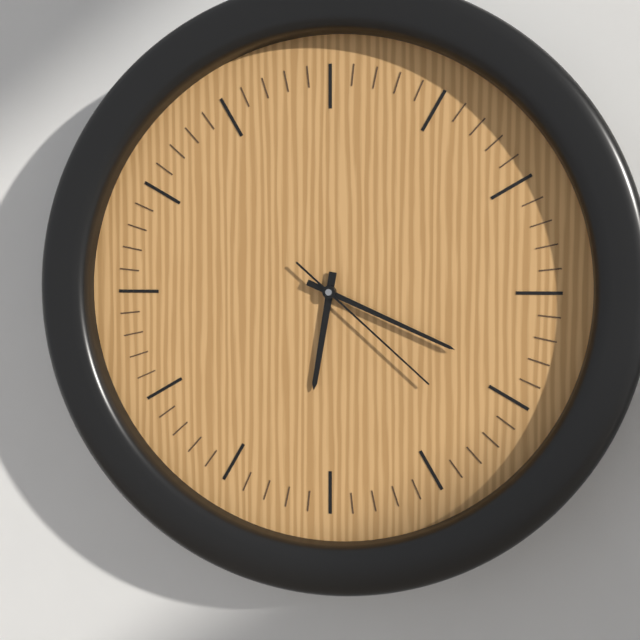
6:19:22
